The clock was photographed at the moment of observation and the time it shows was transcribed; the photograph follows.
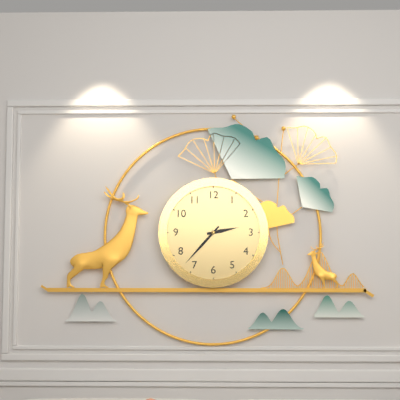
2:37
